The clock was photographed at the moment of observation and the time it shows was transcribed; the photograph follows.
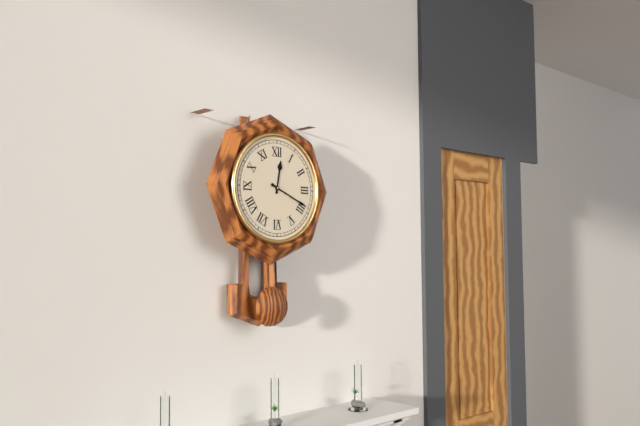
12:19
